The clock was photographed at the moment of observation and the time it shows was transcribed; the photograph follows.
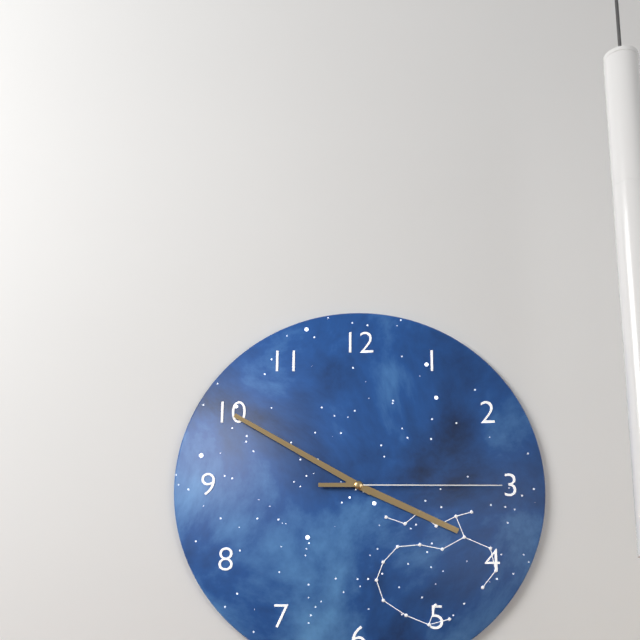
3:50:15
